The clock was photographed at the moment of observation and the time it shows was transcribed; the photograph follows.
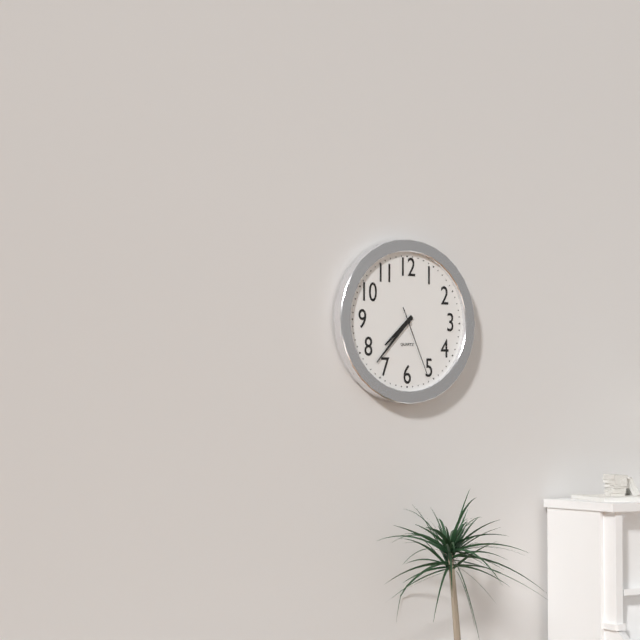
7:37:26
